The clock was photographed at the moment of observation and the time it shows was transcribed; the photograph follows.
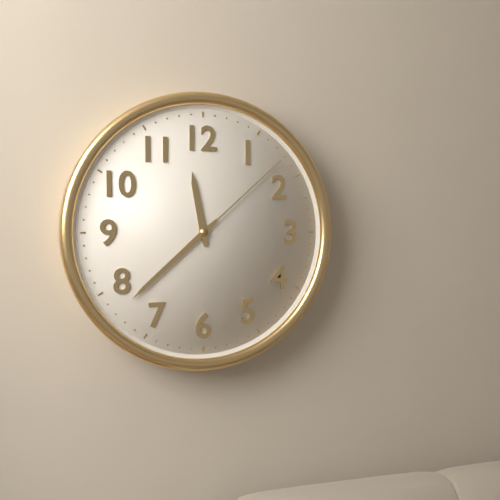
11:38:08
